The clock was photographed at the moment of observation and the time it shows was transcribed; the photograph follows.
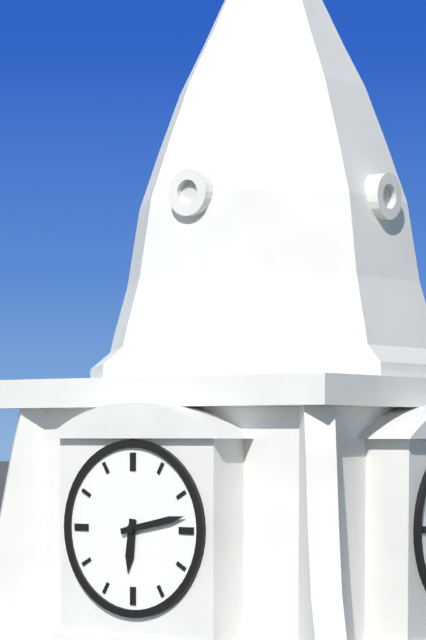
6:13
